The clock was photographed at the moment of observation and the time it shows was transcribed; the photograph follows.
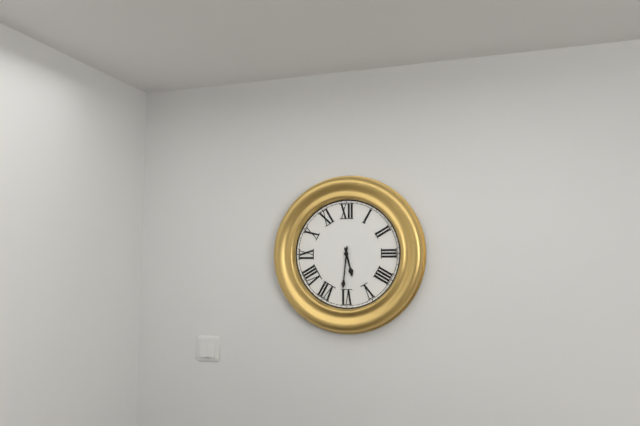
5:31
